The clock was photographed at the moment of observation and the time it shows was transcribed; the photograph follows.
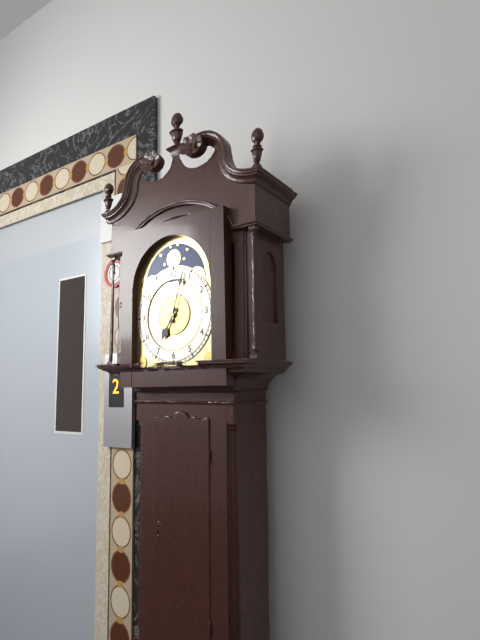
7:03
